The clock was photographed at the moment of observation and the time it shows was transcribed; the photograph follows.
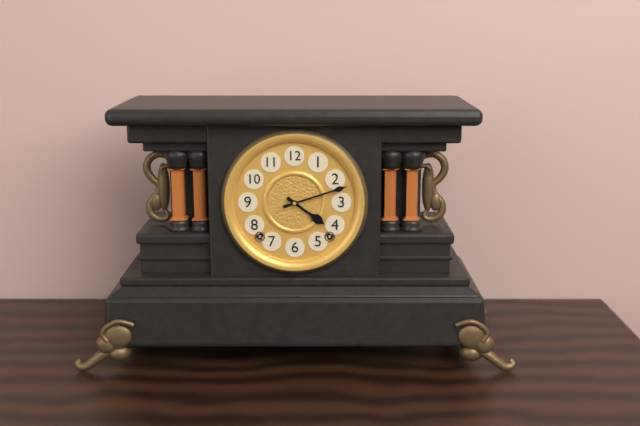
4:12
